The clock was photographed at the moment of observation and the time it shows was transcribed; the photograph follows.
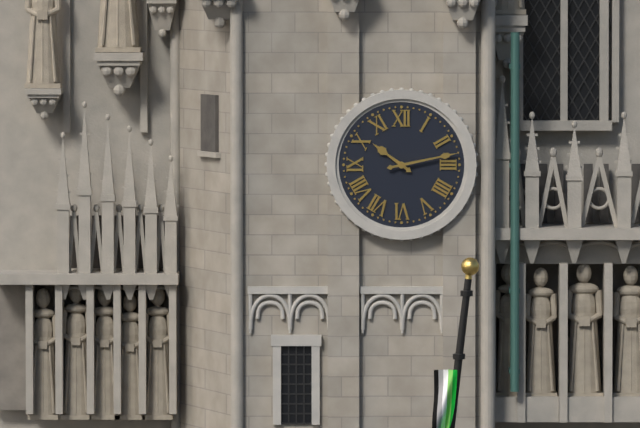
10:13
